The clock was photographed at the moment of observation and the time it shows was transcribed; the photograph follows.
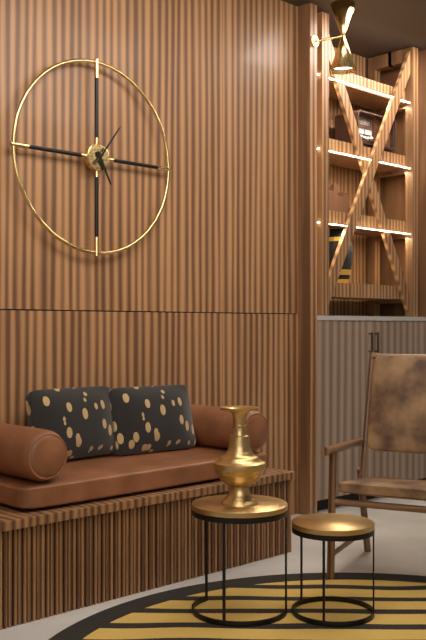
5:06
